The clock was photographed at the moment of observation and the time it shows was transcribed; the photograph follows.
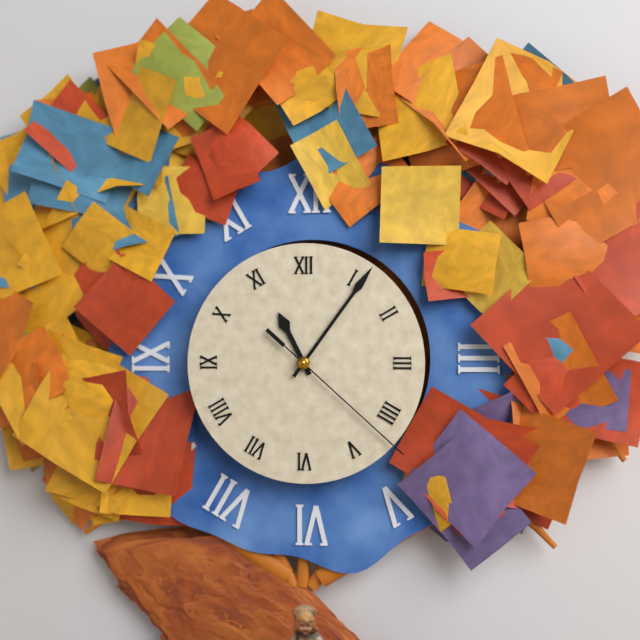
11:06:22
